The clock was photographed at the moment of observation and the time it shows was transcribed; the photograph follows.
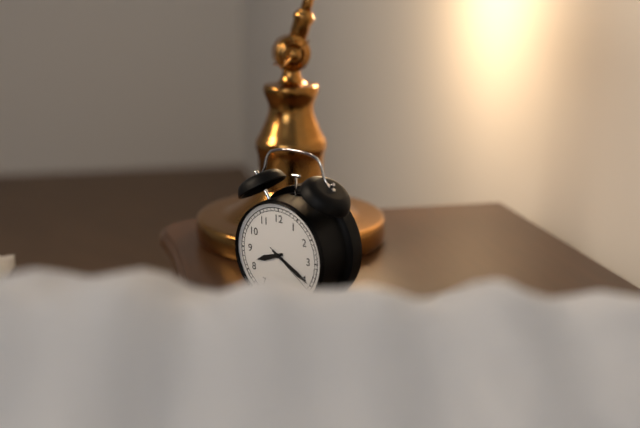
8:20:21
